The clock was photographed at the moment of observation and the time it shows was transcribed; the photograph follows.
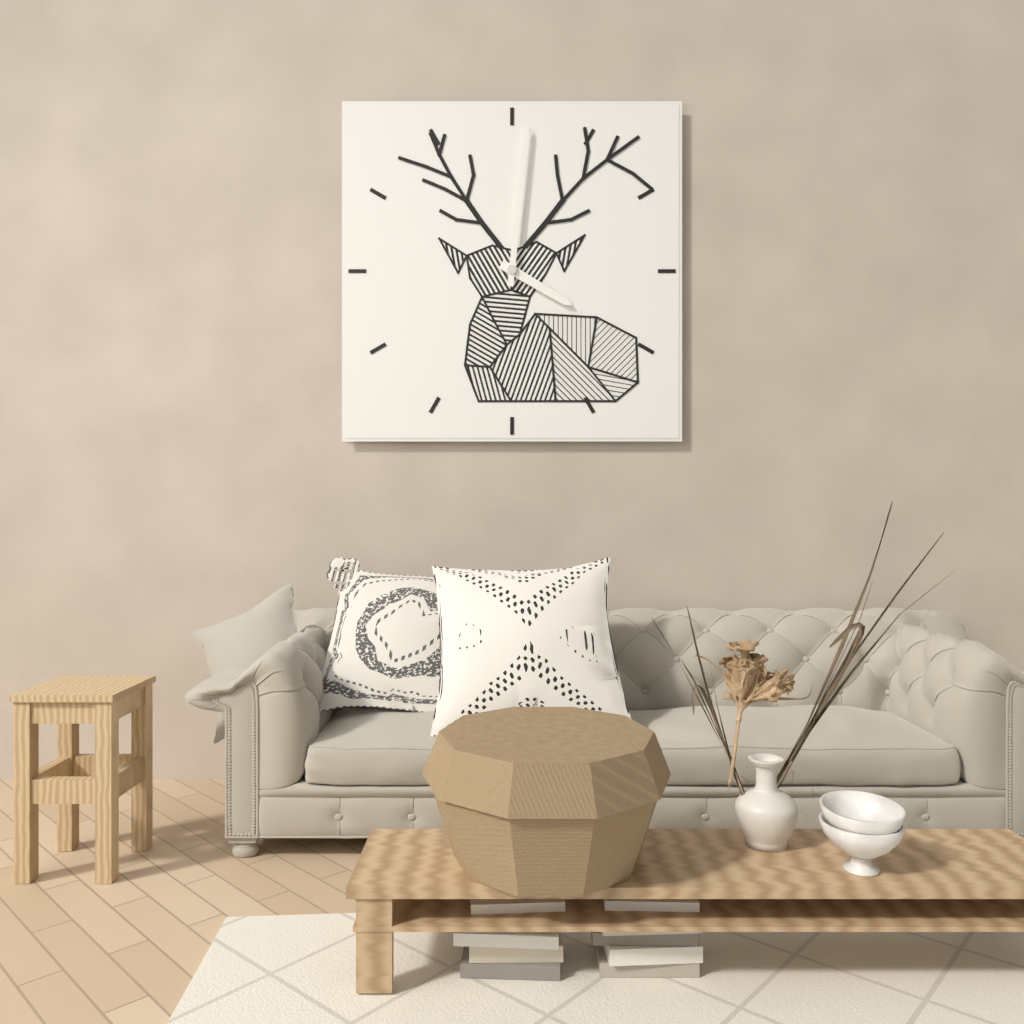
4:01
